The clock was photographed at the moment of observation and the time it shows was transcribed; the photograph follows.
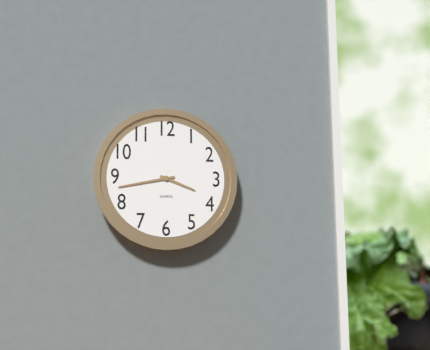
3:43
